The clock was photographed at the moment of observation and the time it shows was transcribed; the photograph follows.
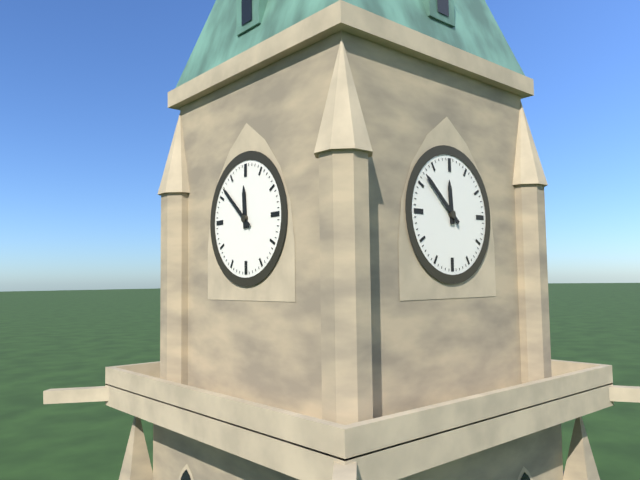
11:52
